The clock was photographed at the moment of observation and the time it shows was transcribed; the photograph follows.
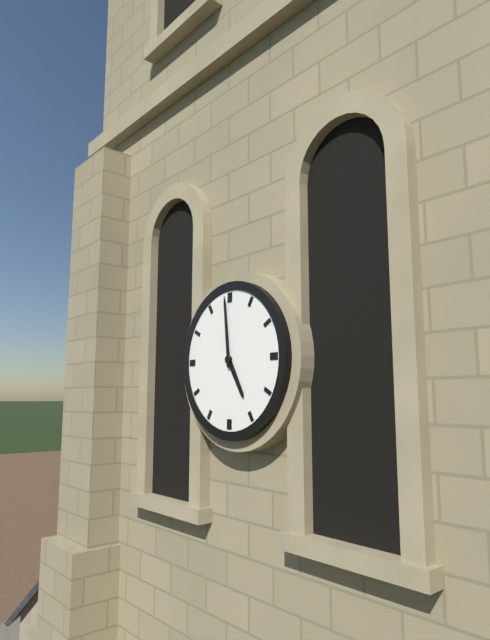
4:59
